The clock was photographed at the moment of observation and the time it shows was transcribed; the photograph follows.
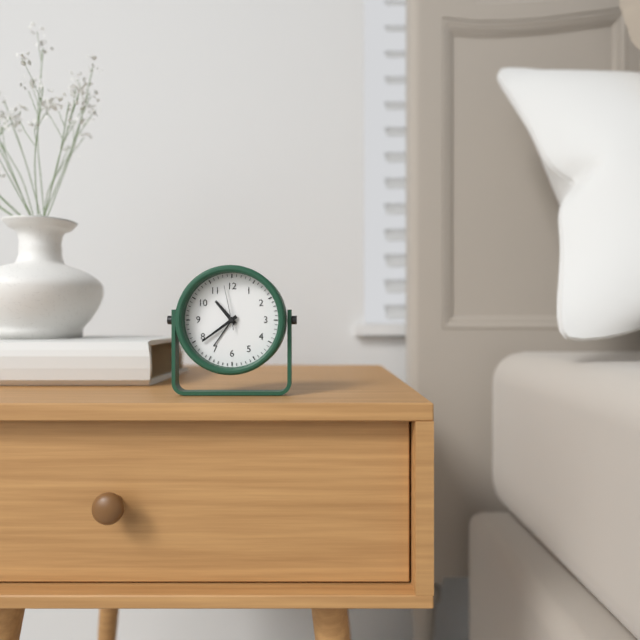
10:39
